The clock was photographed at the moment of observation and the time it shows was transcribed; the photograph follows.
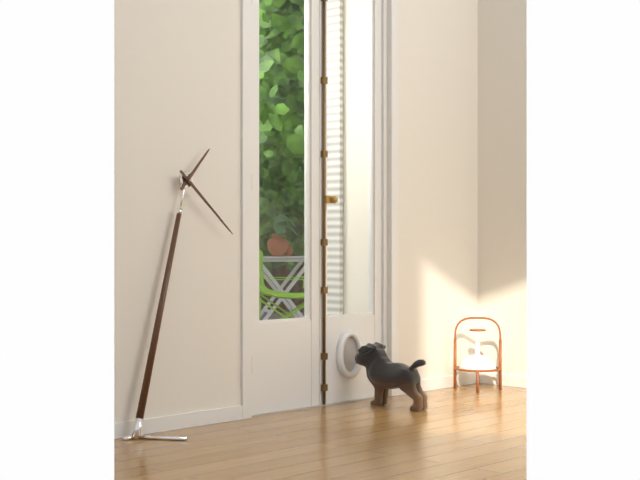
1:22
